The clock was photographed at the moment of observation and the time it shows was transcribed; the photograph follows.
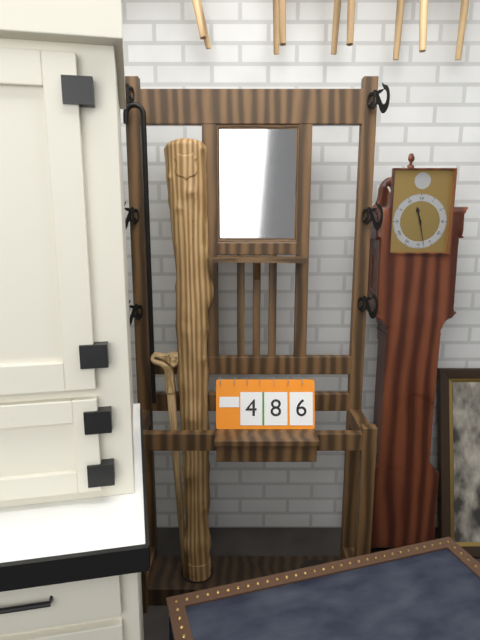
11:28
